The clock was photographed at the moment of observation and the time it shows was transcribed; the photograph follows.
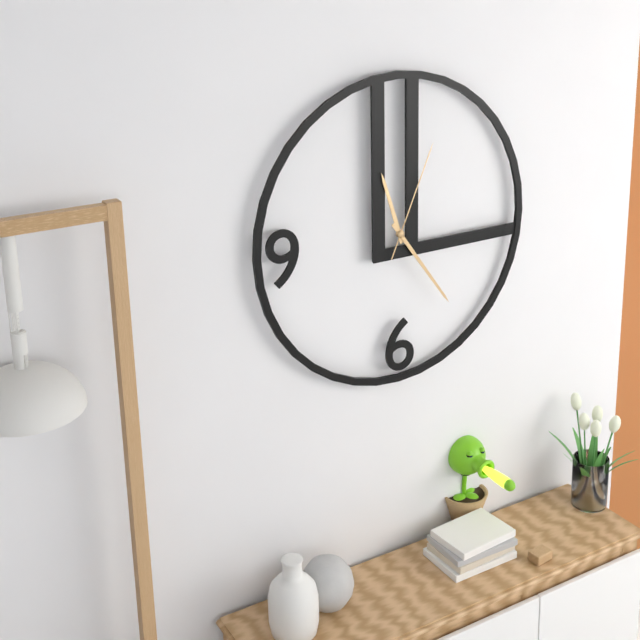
11:24:04
